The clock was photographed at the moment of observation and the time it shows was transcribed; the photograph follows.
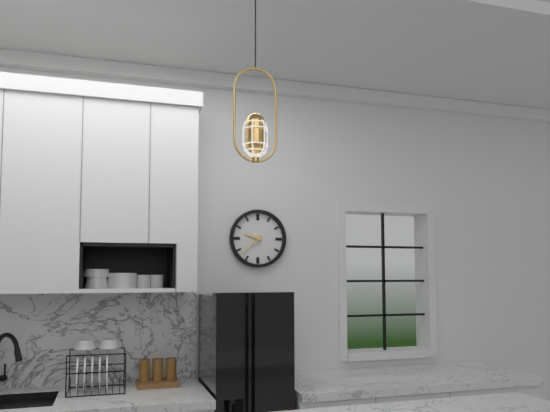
9:38
